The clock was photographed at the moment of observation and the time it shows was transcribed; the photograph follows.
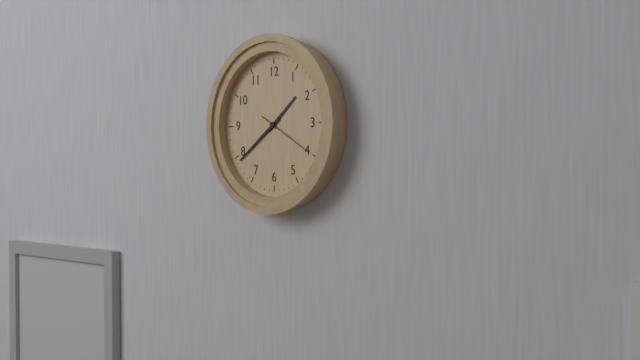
1:39:20
